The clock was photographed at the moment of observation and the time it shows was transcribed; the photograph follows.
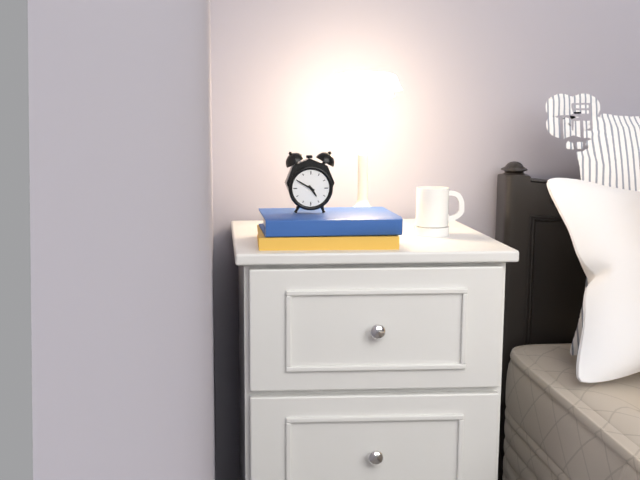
4:50
